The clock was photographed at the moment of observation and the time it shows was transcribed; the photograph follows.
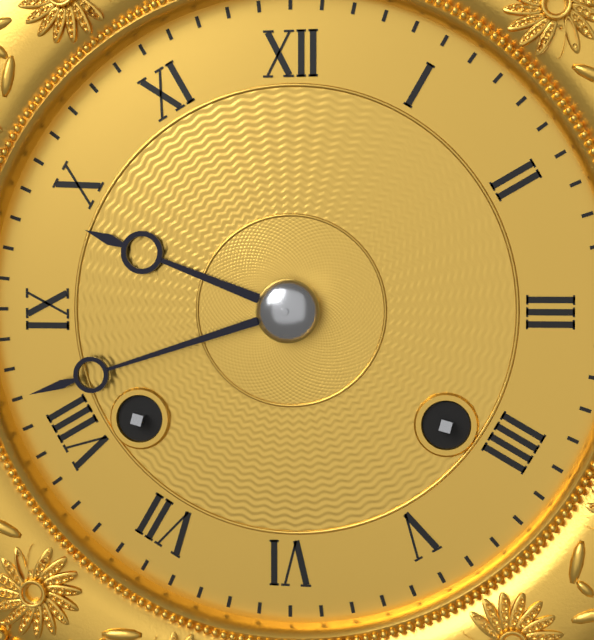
9:42
